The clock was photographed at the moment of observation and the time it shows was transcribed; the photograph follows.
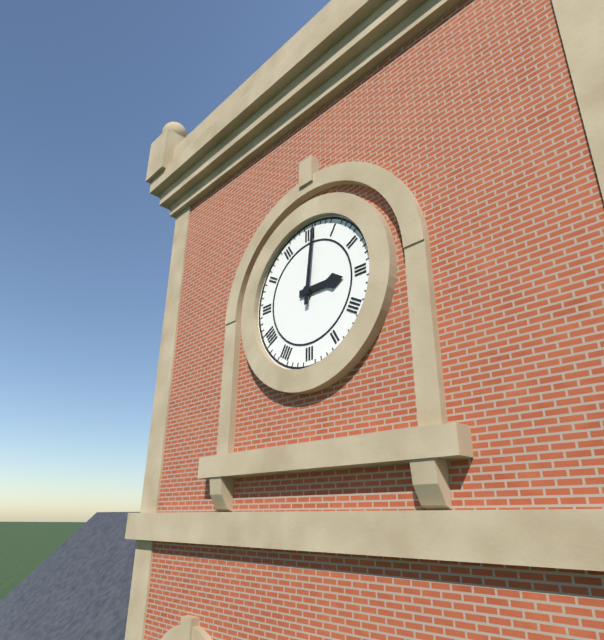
3:01
